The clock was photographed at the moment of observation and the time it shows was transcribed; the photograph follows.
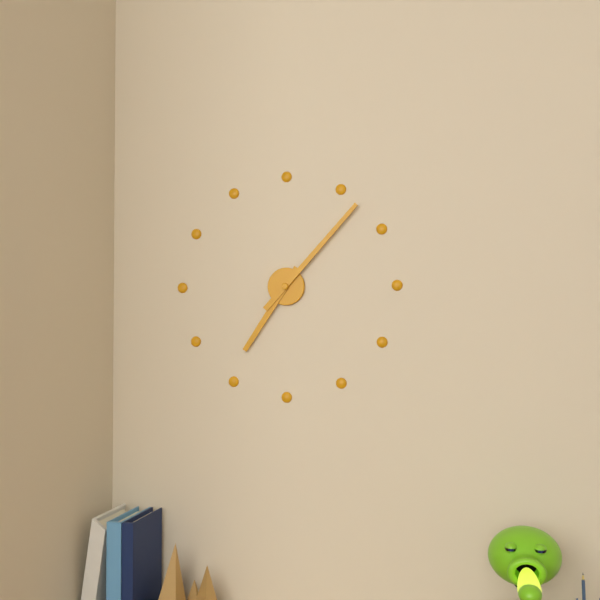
7:07
